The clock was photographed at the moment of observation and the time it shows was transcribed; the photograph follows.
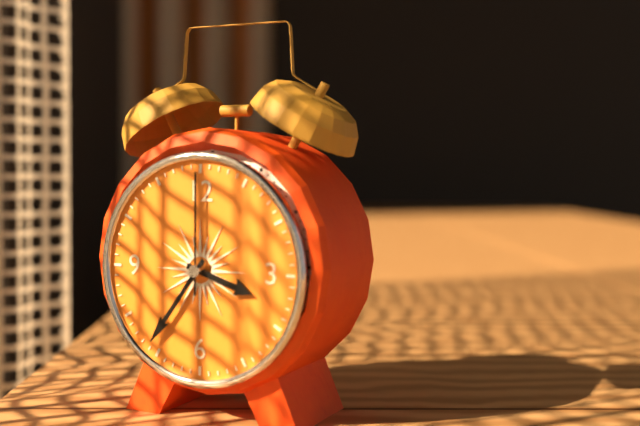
3:36:00
